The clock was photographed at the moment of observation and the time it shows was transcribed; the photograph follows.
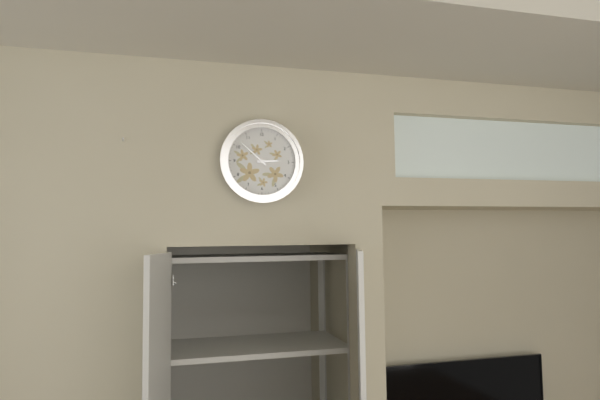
2:52
